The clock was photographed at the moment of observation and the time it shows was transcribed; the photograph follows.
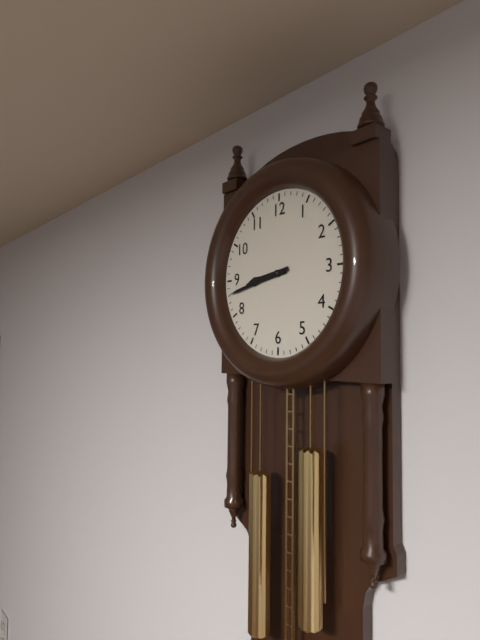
8:43
